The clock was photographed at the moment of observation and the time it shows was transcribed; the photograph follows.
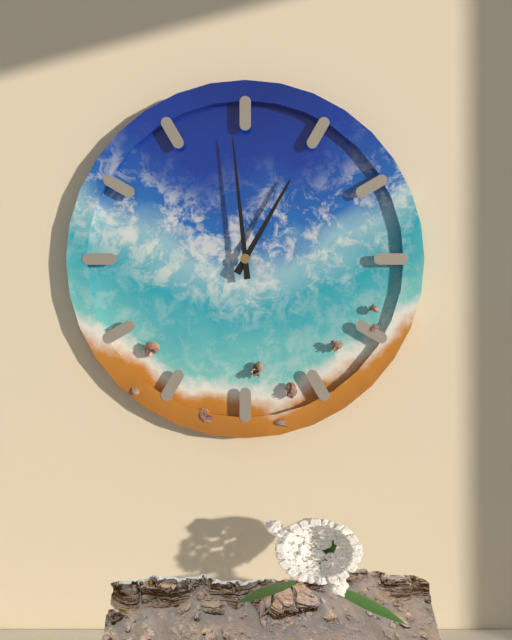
12:59
